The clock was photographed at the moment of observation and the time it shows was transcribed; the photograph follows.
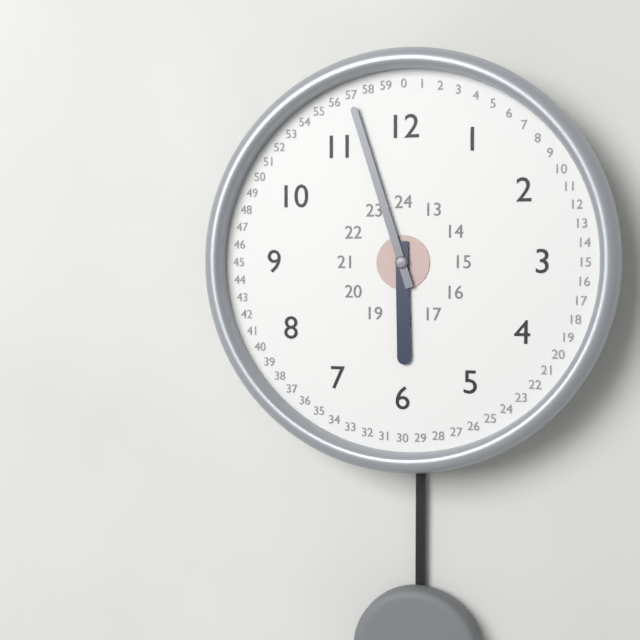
5:57
